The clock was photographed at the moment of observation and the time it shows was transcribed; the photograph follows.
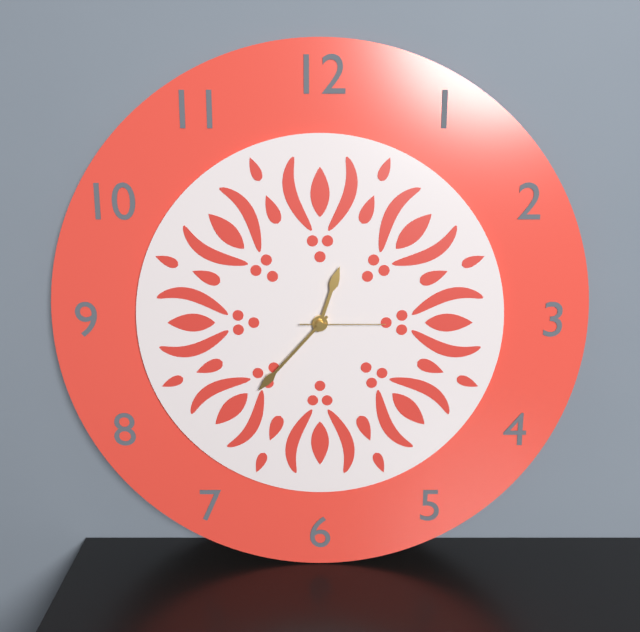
12:37:15
